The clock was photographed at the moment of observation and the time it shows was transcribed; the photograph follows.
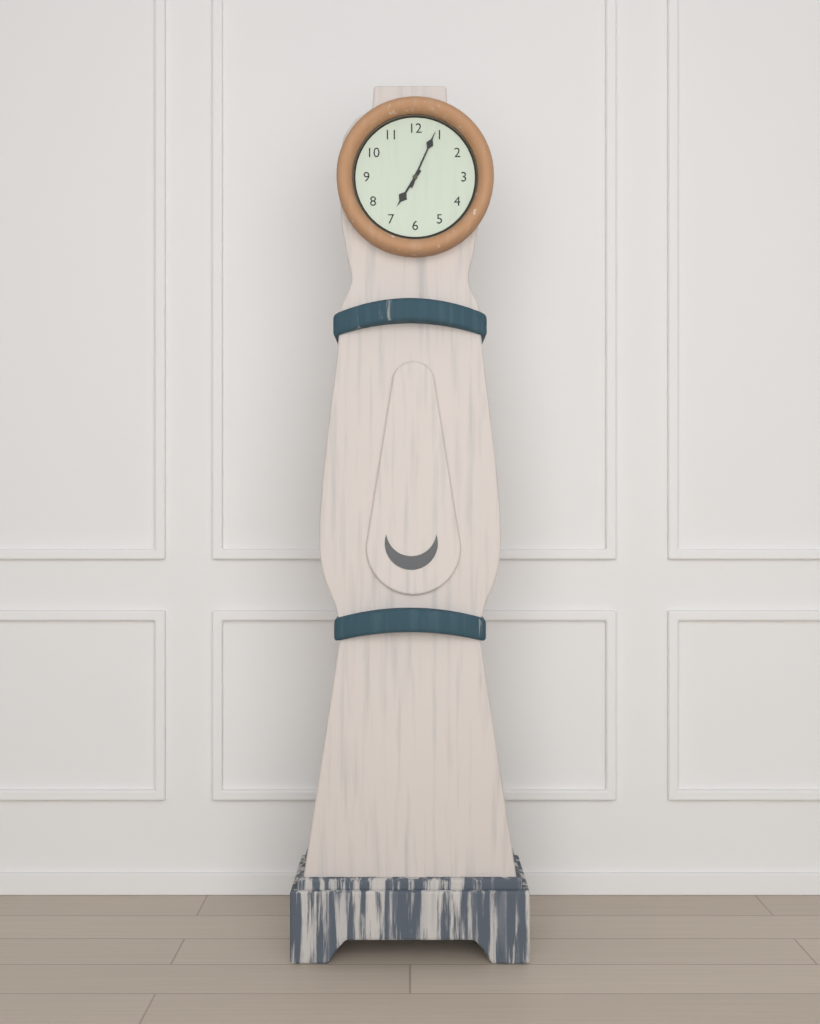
7:04
